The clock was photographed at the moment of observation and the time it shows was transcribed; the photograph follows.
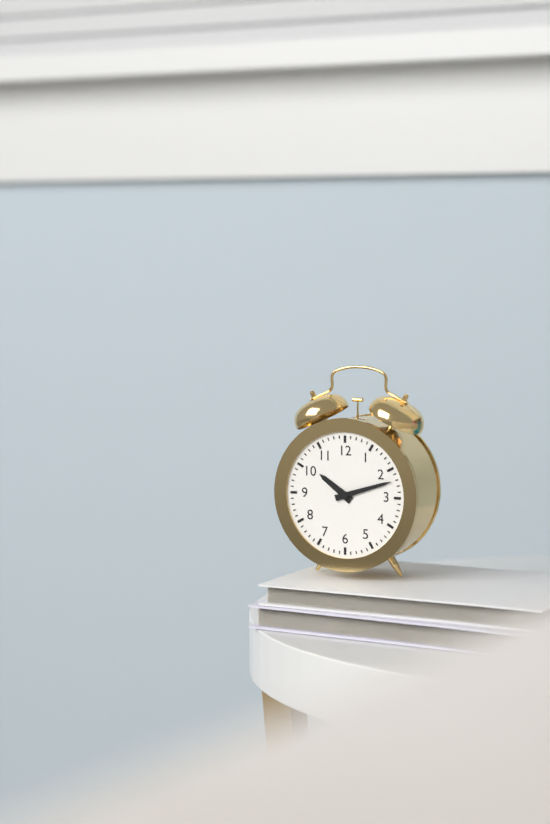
10:12
